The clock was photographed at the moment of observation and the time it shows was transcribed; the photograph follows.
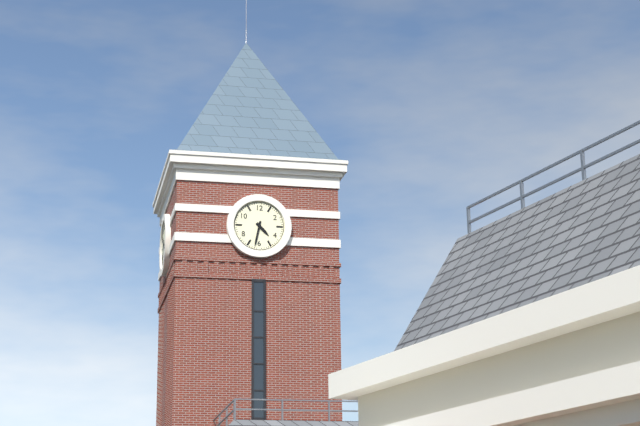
4:32
